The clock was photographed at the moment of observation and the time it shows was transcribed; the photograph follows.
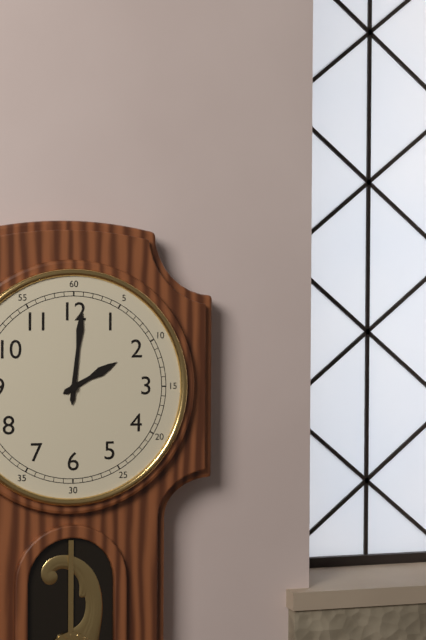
2:01
